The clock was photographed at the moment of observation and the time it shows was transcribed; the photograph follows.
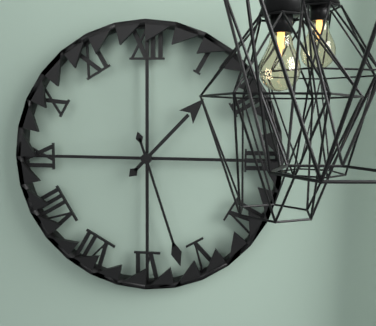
1:27
